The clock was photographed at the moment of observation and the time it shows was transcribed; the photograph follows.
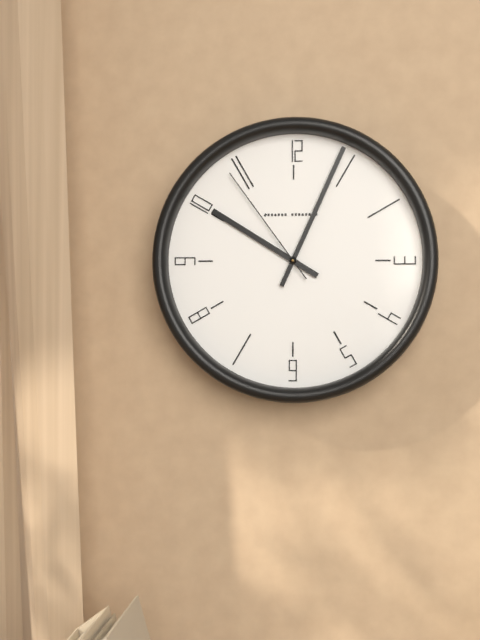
10:04:54
